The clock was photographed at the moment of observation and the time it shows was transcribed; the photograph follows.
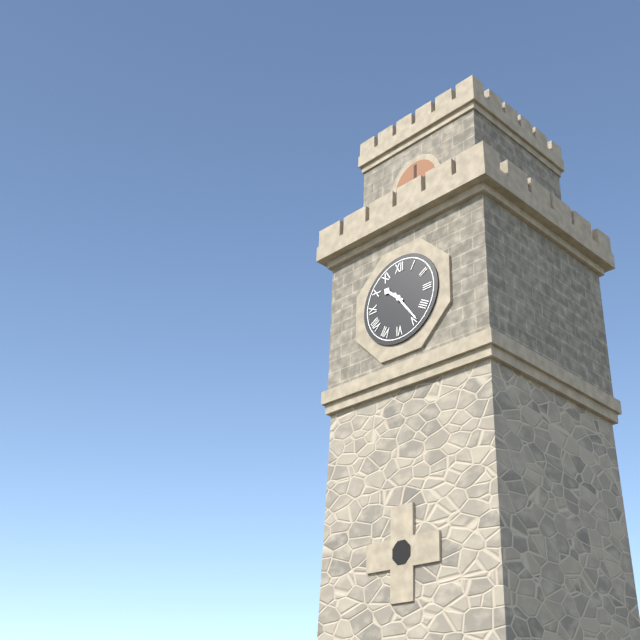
10:24
